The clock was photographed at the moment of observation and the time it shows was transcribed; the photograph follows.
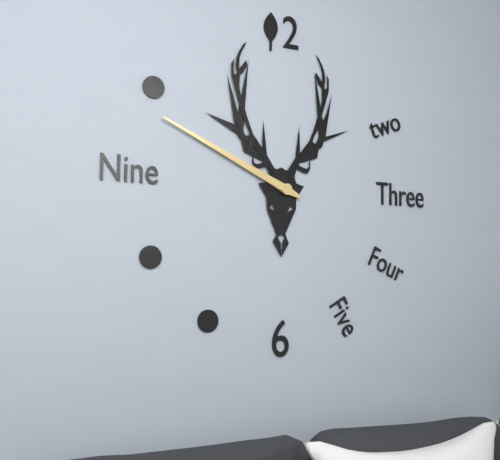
9:49
